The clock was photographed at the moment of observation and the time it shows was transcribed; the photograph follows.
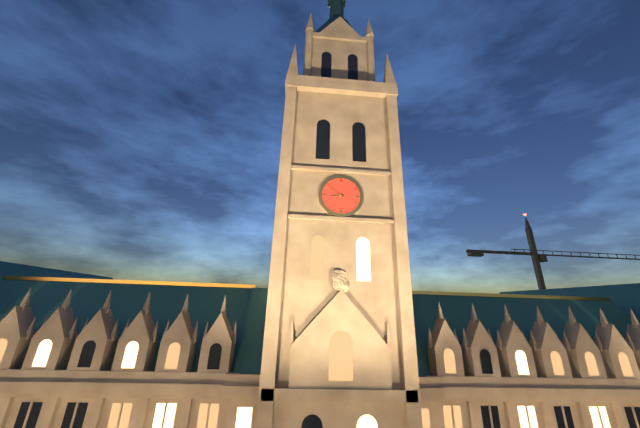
8:51
